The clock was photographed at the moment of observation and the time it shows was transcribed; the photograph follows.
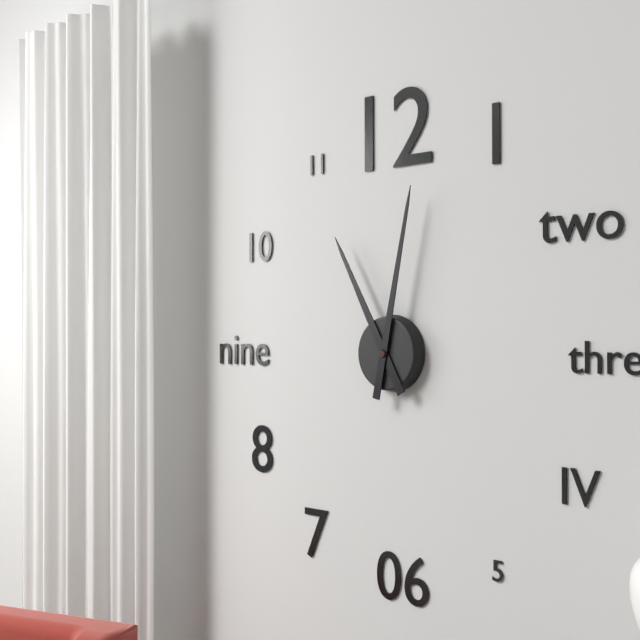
11:02
